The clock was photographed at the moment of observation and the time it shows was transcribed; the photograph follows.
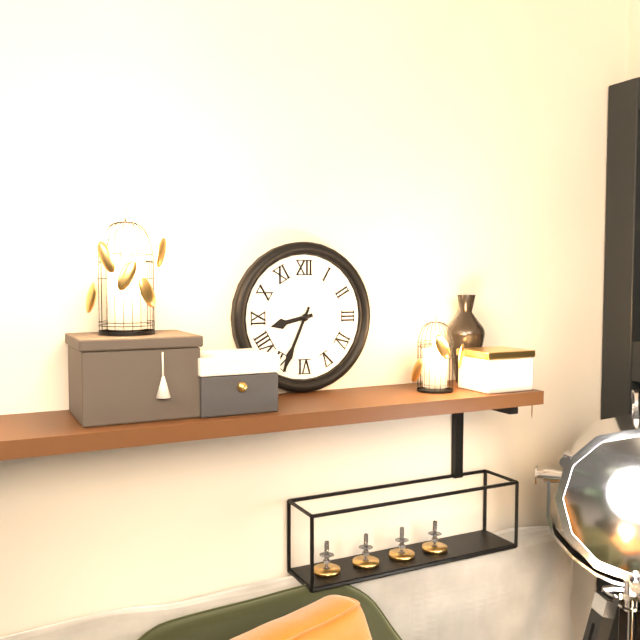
8:34
